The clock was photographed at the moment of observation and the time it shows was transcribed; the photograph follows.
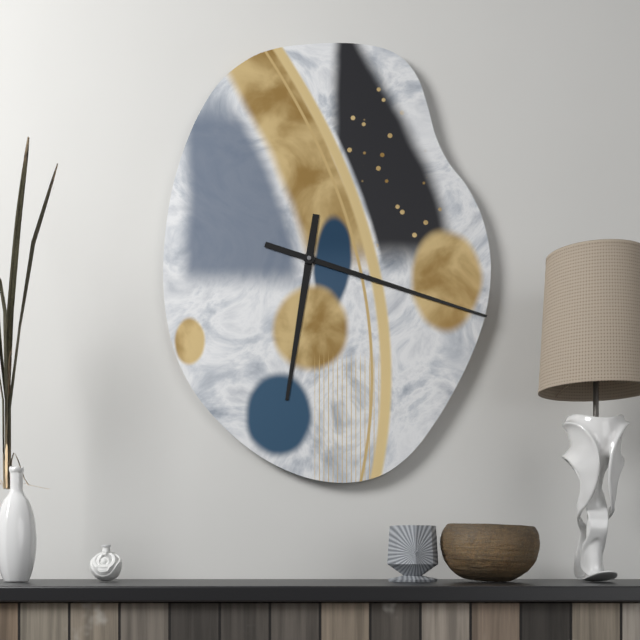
6:18
